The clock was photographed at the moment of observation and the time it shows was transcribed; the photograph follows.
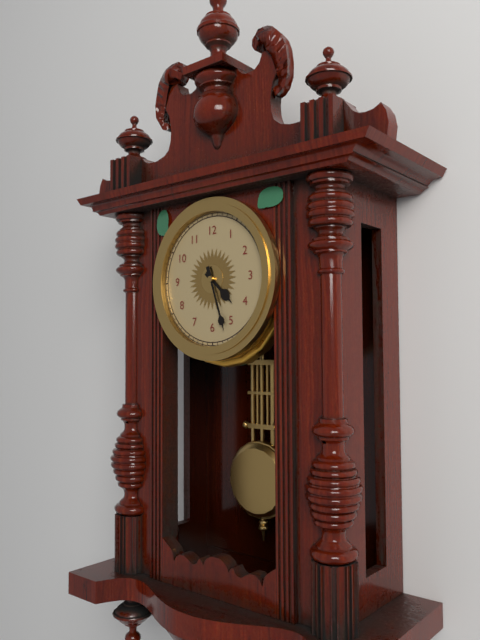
4:27
